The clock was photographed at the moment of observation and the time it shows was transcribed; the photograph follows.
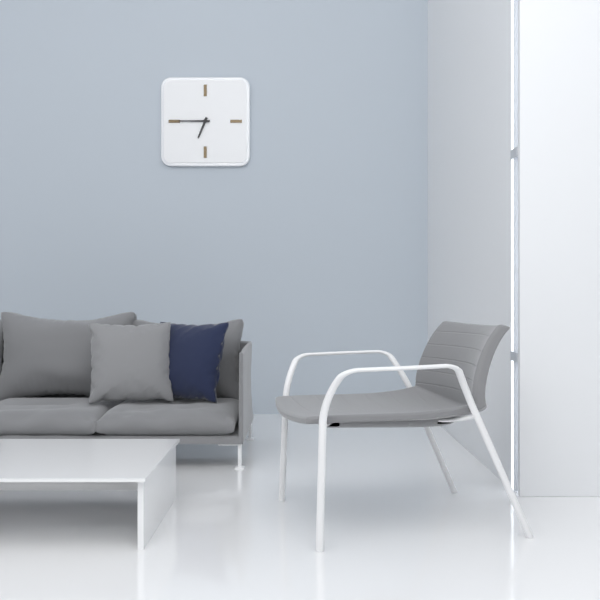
6:45
